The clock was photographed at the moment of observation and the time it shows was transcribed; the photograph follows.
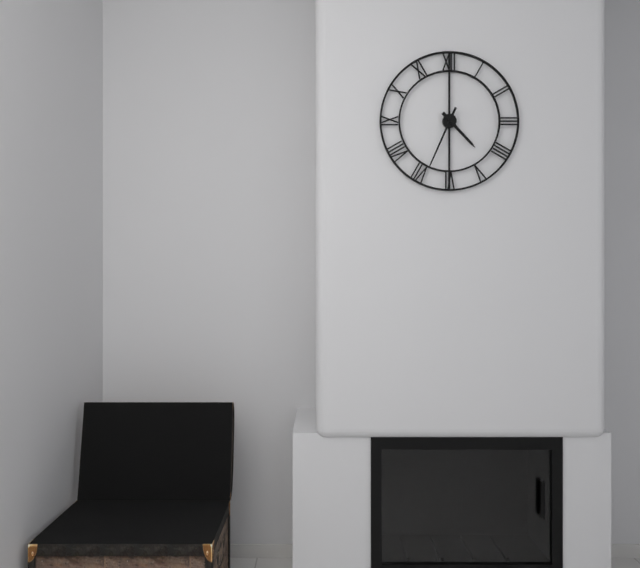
4:34
